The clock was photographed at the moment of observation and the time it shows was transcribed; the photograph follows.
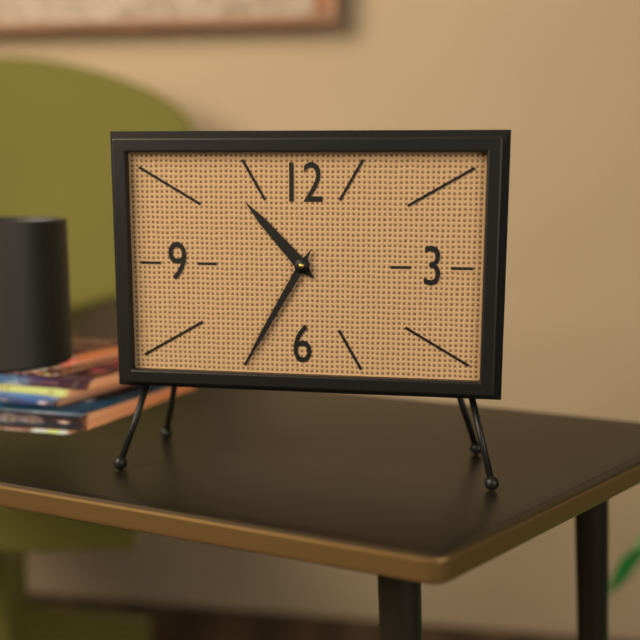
10:35
